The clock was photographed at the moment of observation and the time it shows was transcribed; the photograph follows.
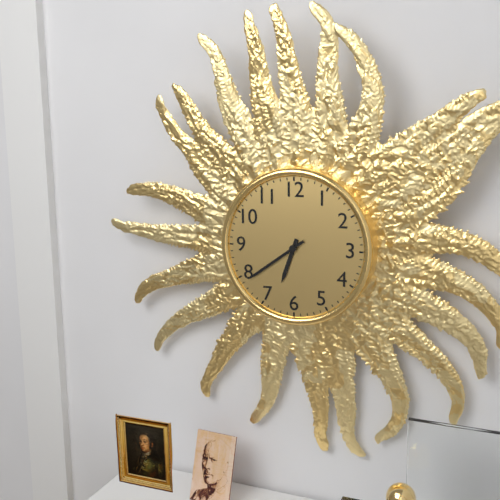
6:39
